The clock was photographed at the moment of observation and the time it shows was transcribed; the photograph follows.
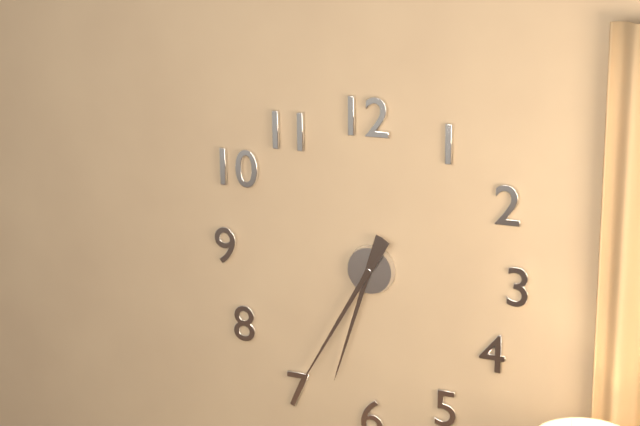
6:35
